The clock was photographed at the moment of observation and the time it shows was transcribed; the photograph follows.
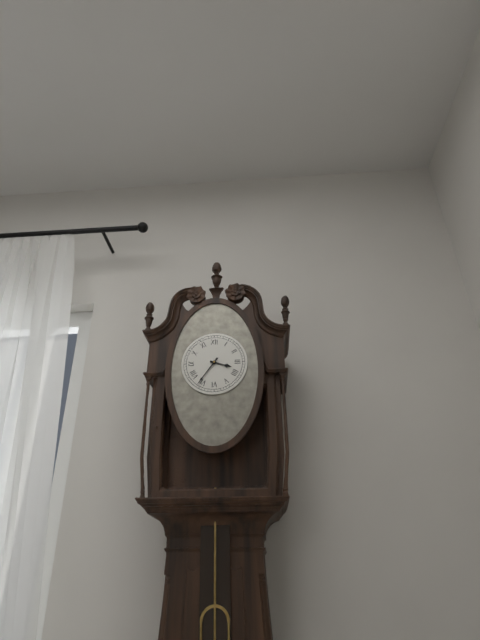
3:36
